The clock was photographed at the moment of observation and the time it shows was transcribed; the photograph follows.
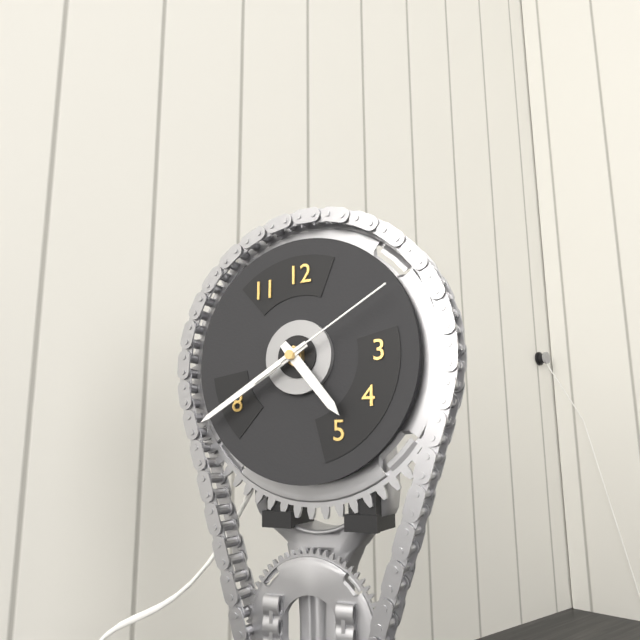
4:40:10
